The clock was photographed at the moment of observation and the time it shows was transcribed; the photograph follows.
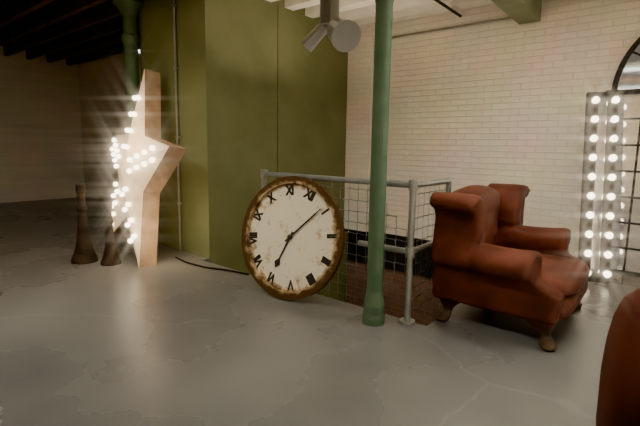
6:04
